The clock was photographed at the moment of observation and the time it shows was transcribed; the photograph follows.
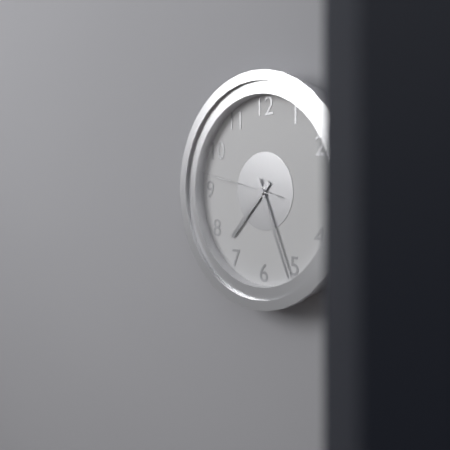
7:26:47
